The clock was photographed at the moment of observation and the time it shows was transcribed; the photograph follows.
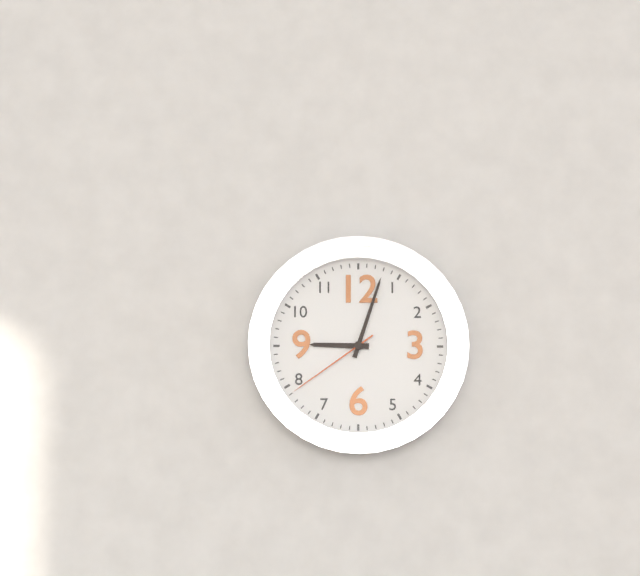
9:03:39
